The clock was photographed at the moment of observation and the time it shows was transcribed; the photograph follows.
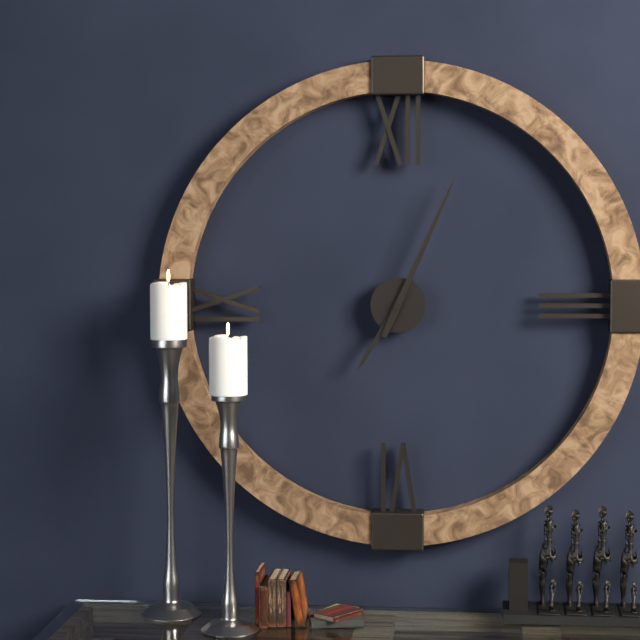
7:04
